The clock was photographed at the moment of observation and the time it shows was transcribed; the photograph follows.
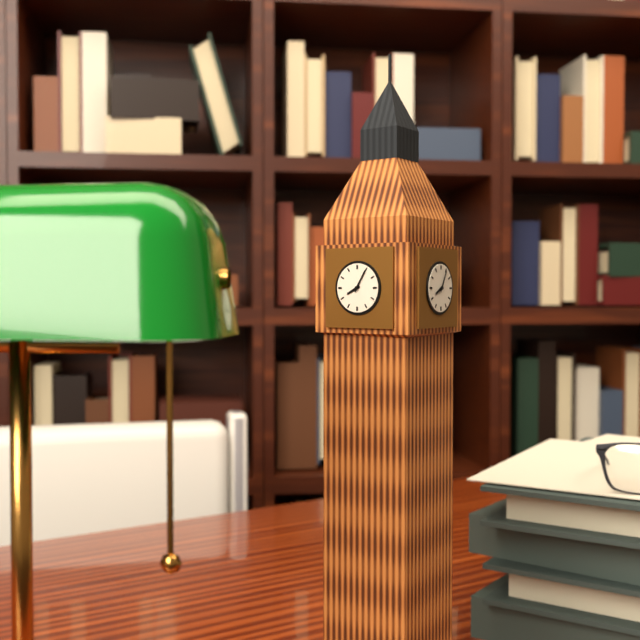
8:05
